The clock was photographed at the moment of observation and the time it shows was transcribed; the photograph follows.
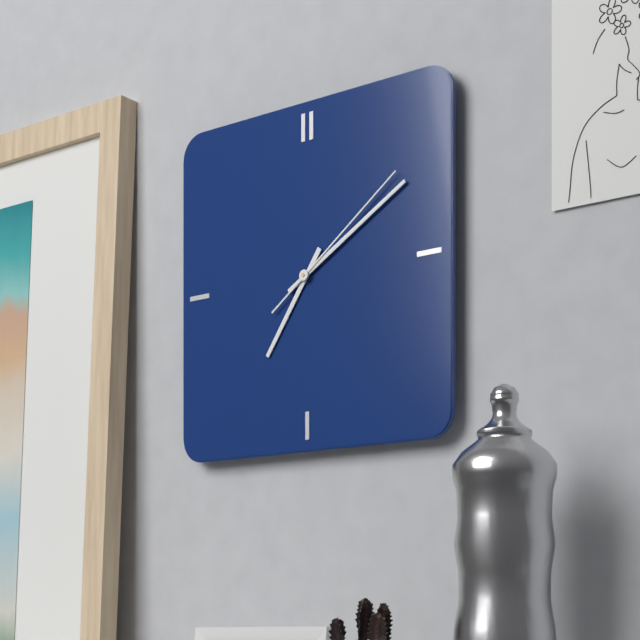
7:10:09
